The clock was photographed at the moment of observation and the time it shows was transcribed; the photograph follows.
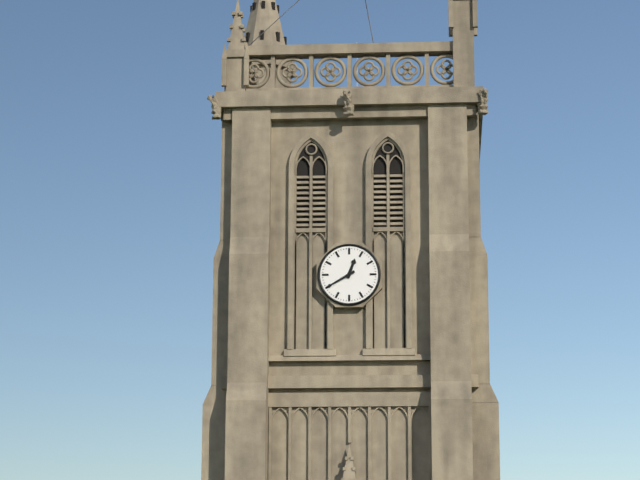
12:40
